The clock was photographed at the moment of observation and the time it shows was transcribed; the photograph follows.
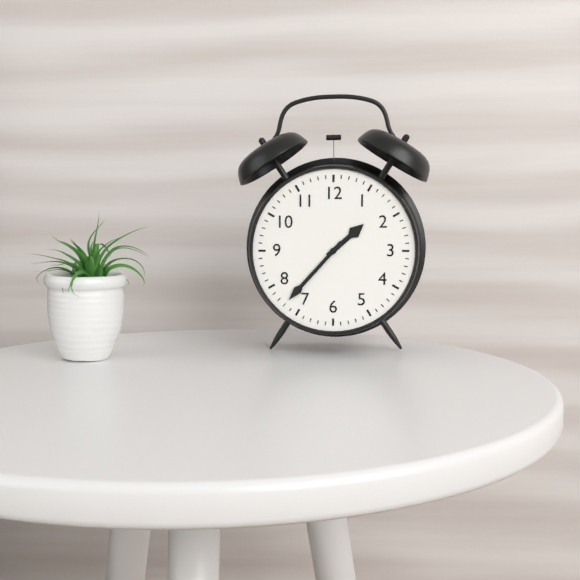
1:37
